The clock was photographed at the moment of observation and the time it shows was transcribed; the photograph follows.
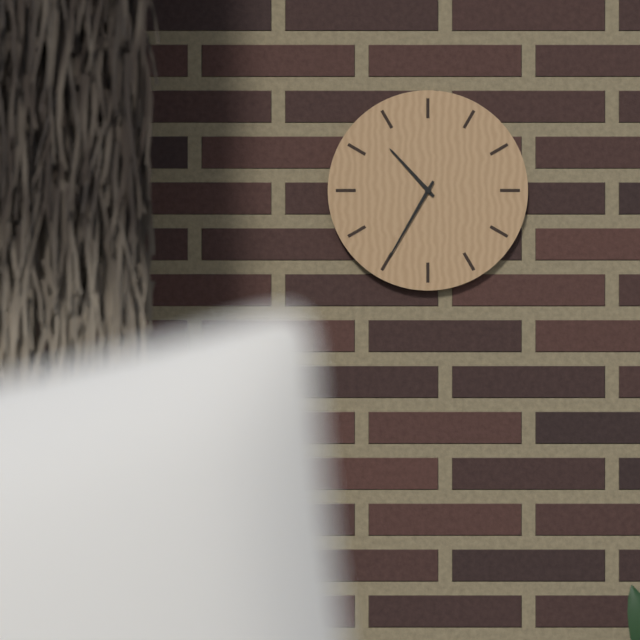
10:35
